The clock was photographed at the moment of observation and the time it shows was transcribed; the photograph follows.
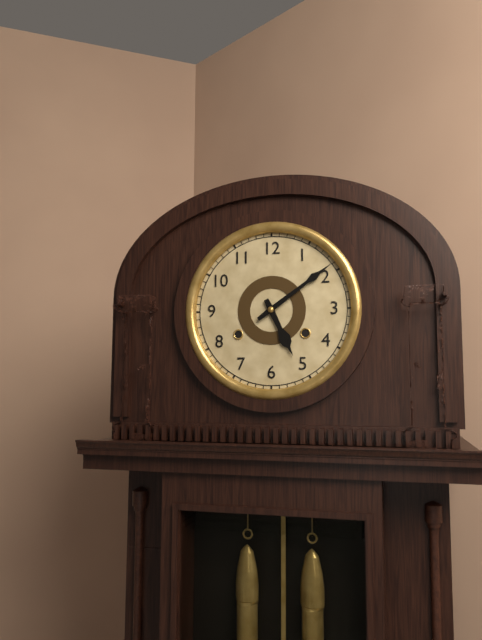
5:09
